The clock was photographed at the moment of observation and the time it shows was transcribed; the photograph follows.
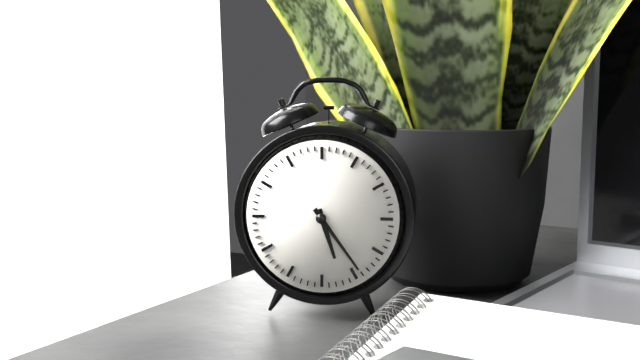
5:24
